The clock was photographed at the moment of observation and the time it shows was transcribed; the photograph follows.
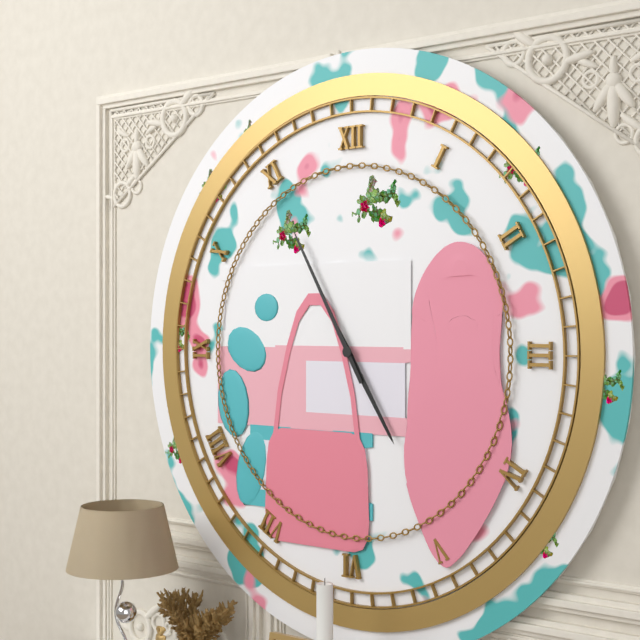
4:55
